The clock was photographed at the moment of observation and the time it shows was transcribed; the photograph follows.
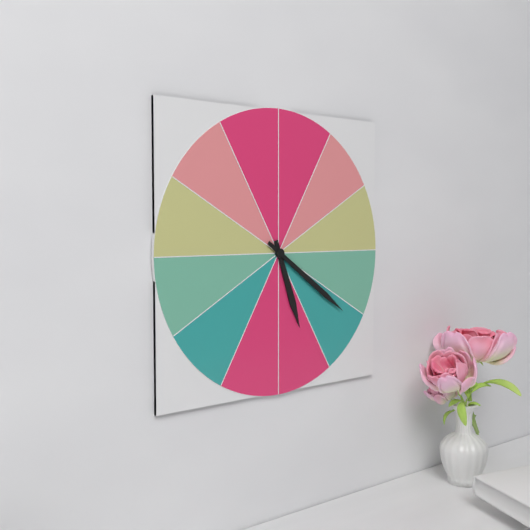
5:21
